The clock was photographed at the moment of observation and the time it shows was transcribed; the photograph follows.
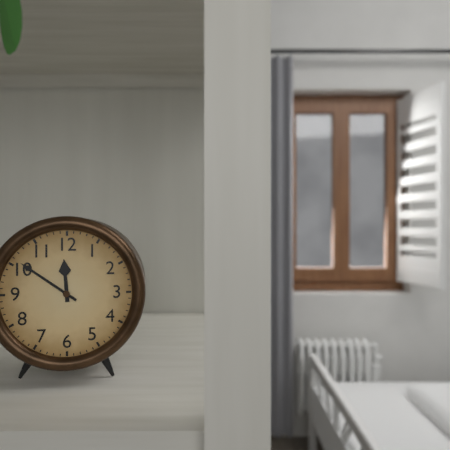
11:51
